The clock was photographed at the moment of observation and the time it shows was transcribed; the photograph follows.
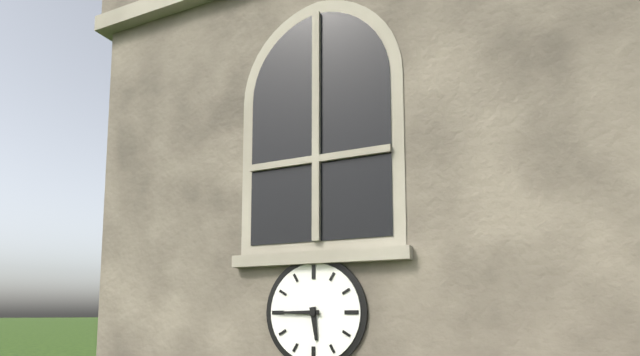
5:45
